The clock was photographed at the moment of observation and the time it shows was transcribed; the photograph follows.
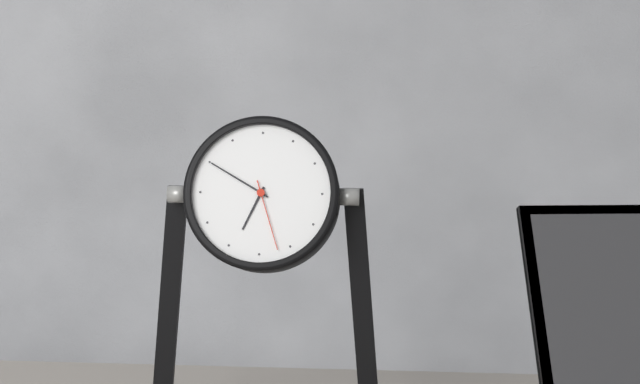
6:50:27
